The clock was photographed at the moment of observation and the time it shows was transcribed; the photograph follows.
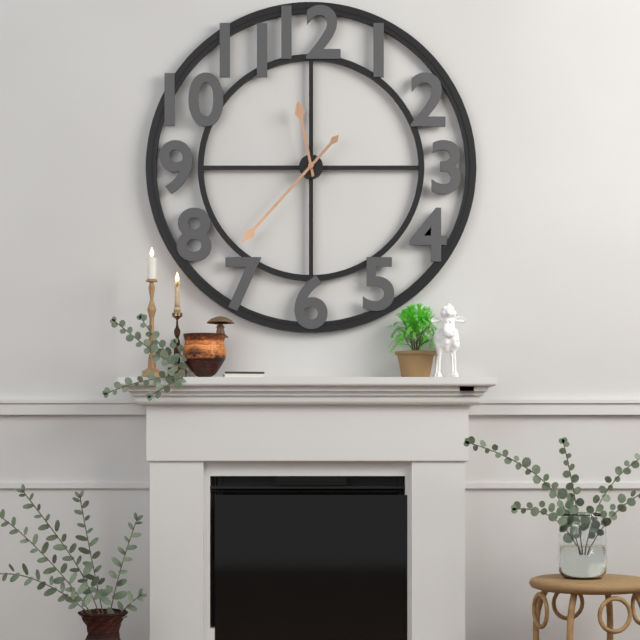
11:37
